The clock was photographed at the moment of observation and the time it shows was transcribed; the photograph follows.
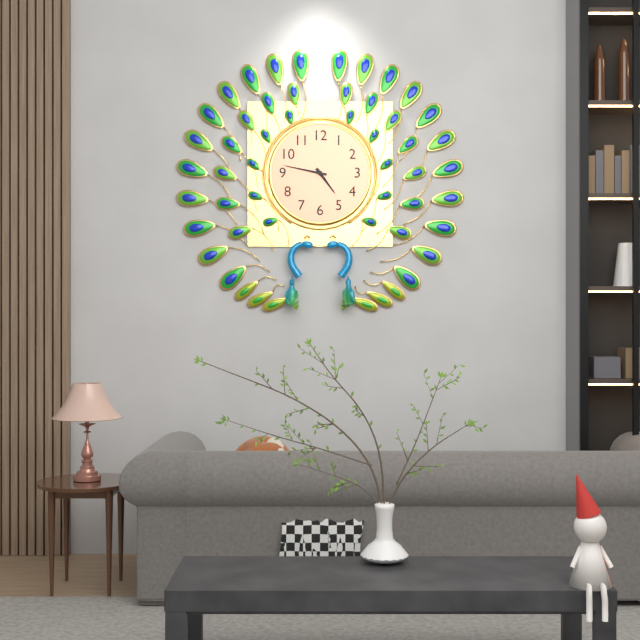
4:47
